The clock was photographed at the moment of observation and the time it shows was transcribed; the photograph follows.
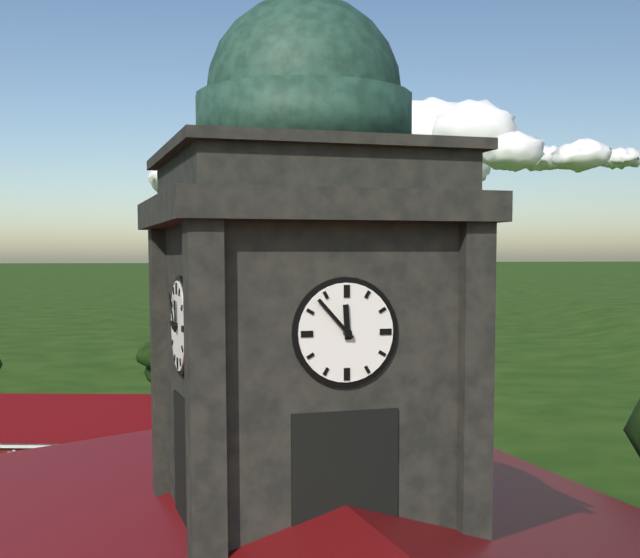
11:53
